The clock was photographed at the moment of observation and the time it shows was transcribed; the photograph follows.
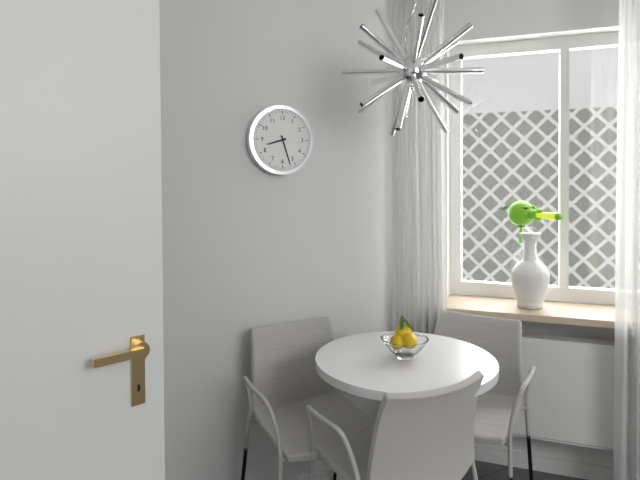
8:27
